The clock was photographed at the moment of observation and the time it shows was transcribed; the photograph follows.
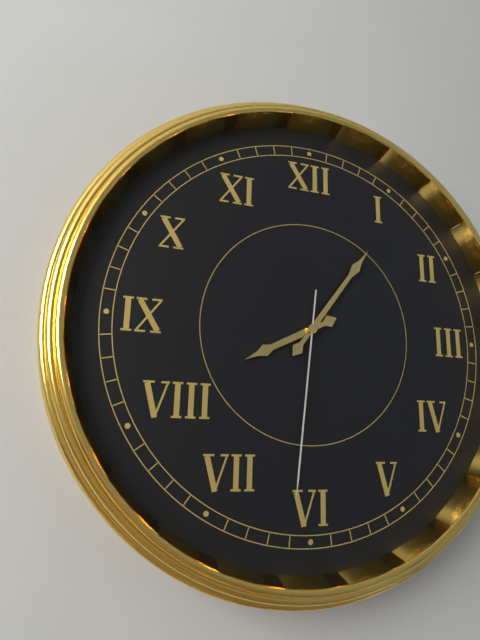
8:06:31
